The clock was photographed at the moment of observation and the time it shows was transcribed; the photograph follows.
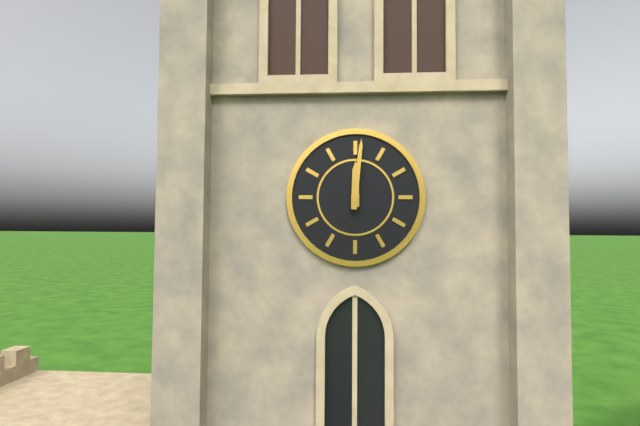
12:01
